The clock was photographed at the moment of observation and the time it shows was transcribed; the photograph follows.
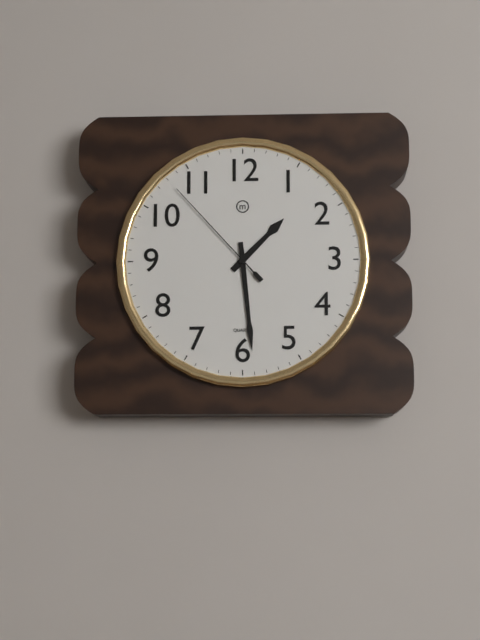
1:29:53
